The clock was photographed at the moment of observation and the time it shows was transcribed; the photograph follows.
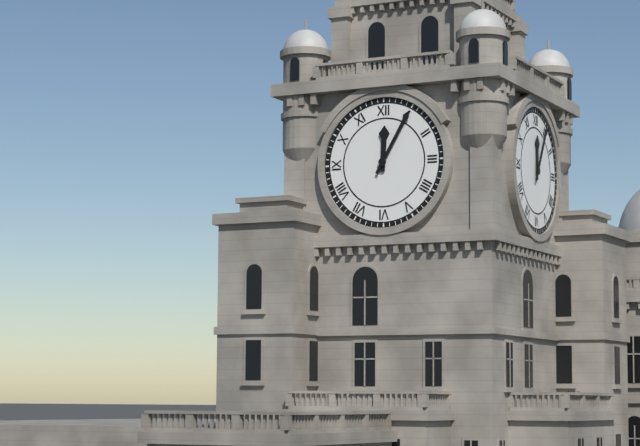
12:05
